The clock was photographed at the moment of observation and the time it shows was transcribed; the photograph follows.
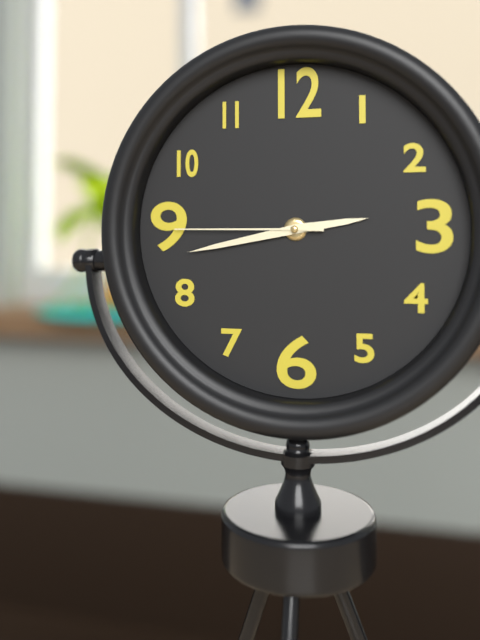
2:43:45
